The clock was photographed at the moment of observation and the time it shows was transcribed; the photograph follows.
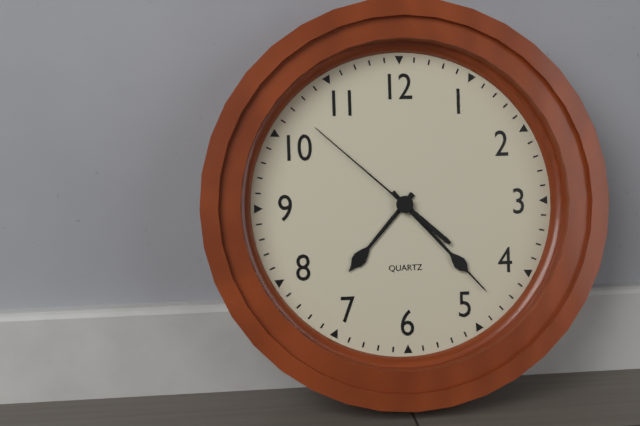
7:23:52
